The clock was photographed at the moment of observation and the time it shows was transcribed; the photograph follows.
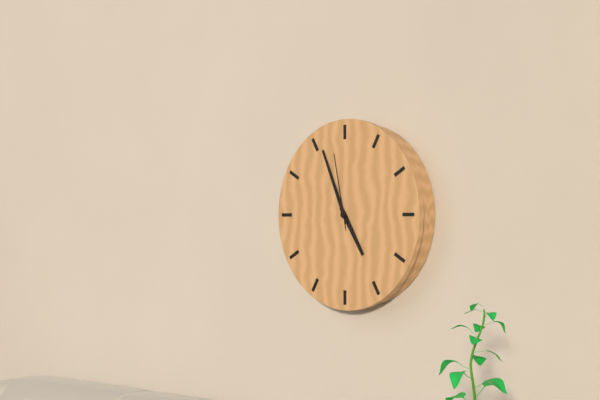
4:56:58
